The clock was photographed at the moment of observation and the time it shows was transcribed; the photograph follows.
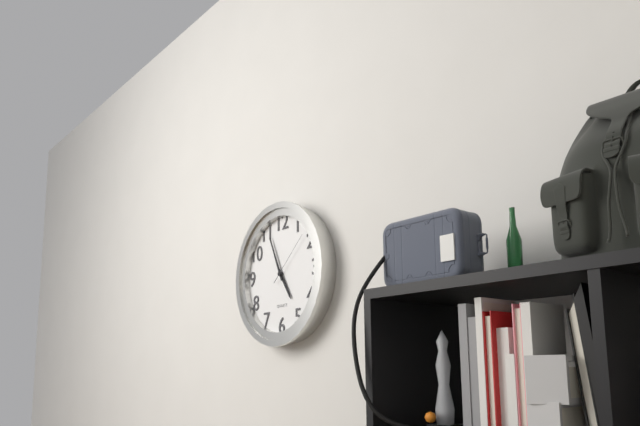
4:56:08
